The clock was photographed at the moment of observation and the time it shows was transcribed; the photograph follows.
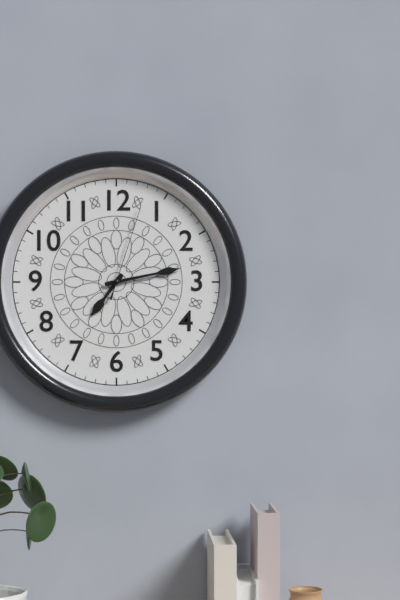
7:13:03
